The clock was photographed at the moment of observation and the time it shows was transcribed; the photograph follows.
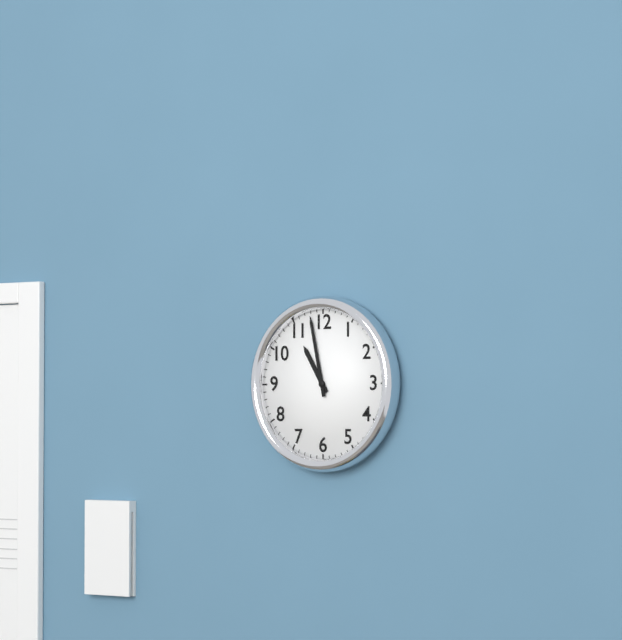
10:58
